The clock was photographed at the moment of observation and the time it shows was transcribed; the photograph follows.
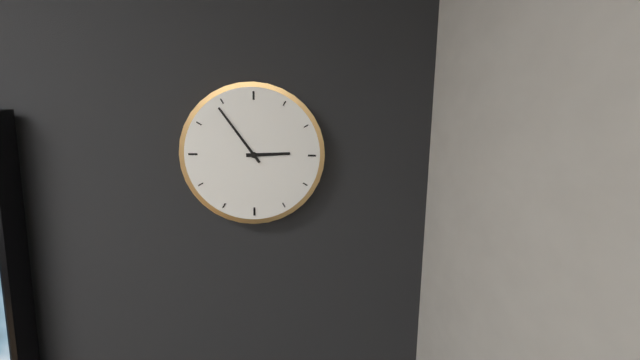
2:54
